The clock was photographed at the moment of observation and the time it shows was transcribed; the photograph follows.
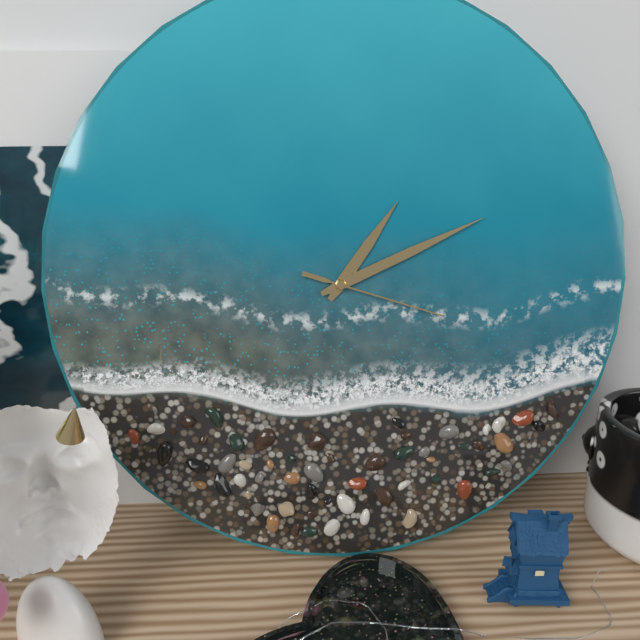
1:11:18
